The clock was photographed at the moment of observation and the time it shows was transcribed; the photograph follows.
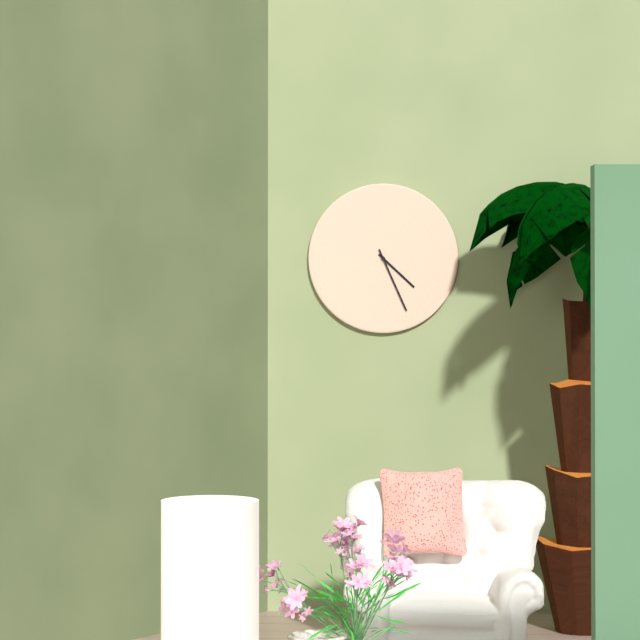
4:26
